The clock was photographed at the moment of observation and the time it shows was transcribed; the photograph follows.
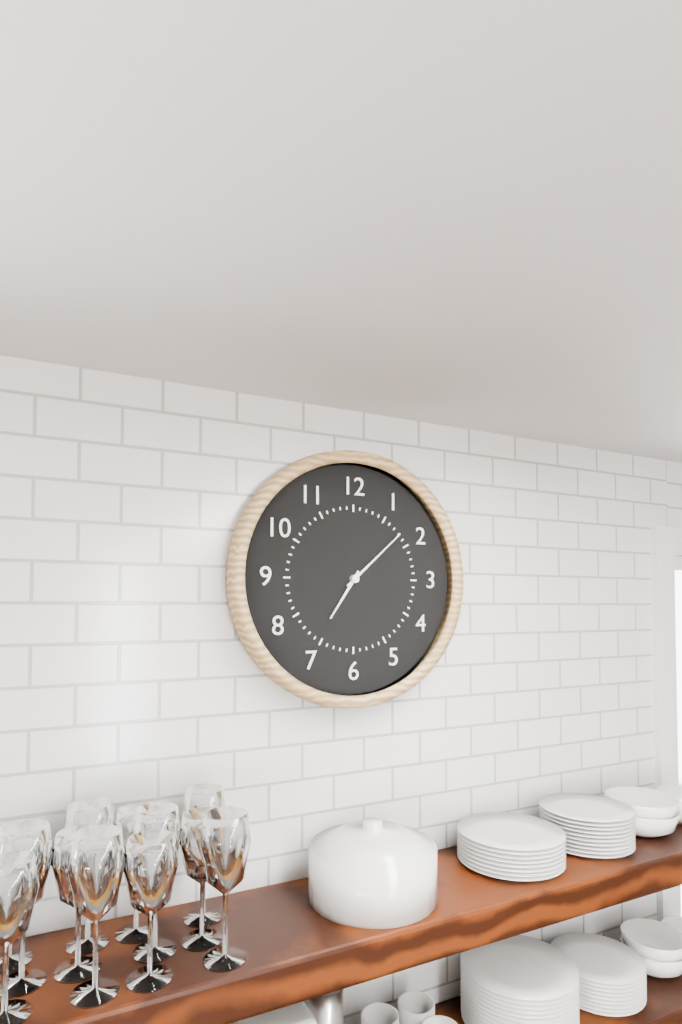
7:08
